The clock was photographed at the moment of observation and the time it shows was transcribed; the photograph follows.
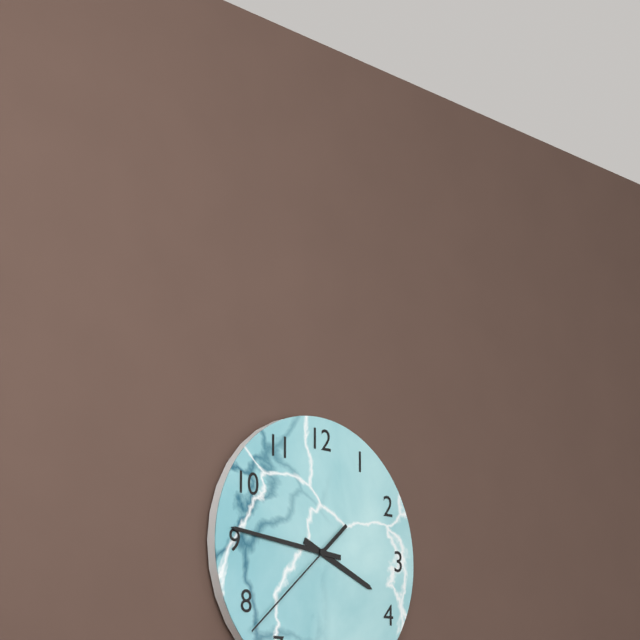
3:46:38
